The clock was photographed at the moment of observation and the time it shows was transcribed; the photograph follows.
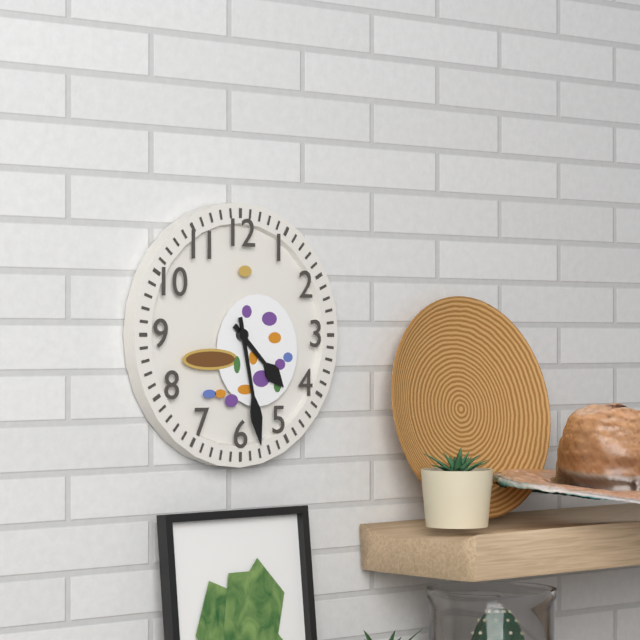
4:28
